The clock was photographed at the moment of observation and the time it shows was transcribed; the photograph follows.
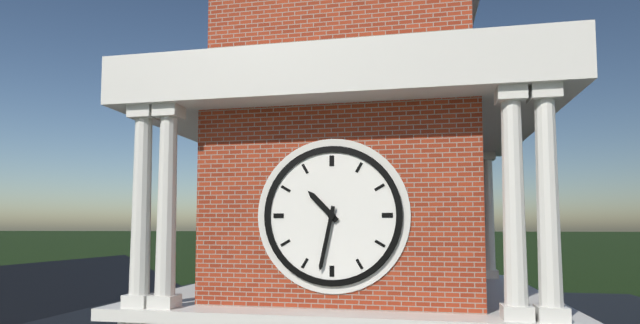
10:32
